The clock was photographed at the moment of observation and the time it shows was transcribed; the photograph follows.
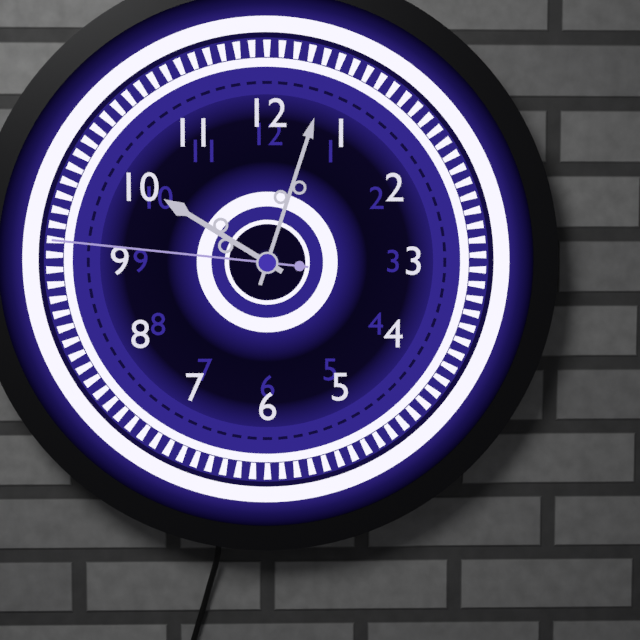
10:03:46
